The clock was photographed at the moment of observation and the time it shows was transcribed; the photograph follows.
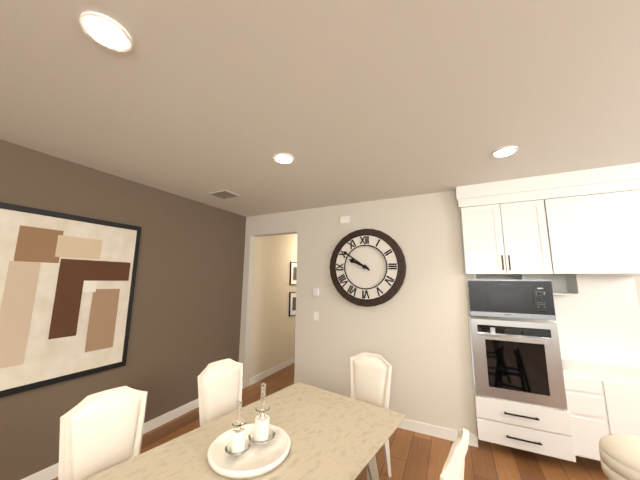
9:51
